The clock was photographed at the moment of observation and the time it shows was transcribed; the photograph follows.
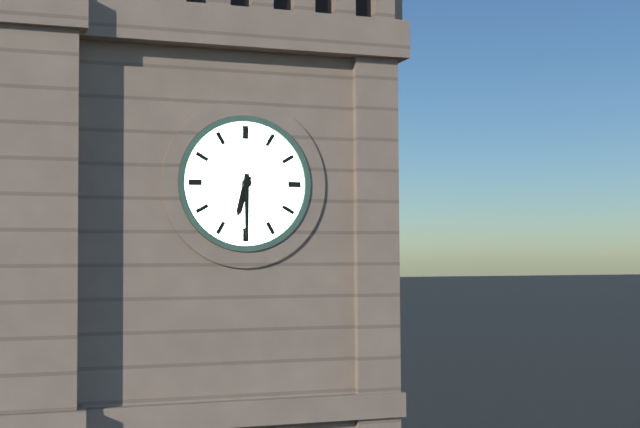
6:30
